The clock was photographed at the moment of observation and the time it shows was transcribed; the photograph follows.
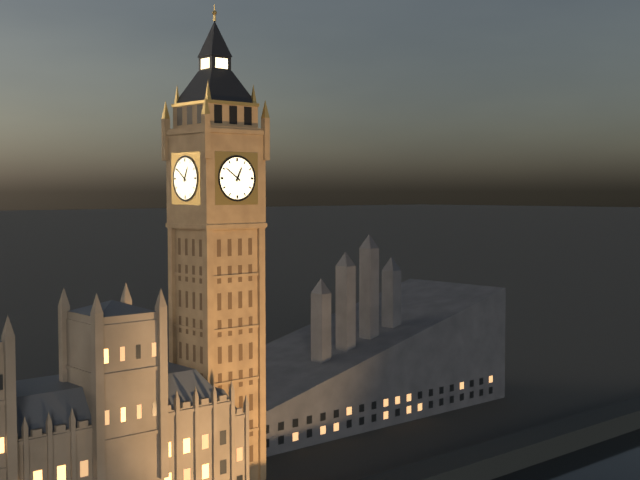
12:51
